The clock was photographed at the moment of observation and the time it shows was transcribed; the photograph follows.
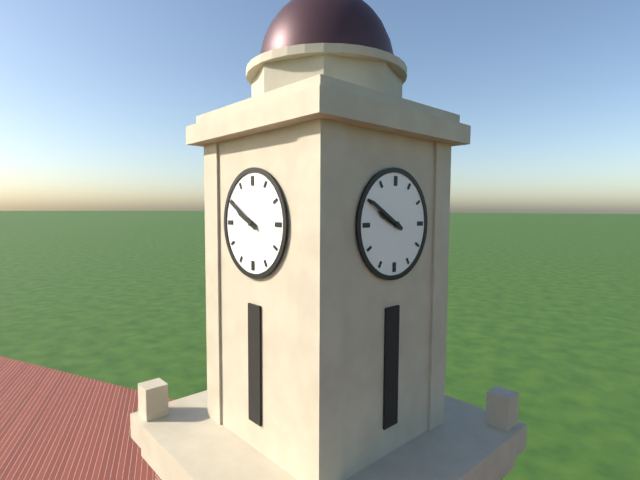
9:50
